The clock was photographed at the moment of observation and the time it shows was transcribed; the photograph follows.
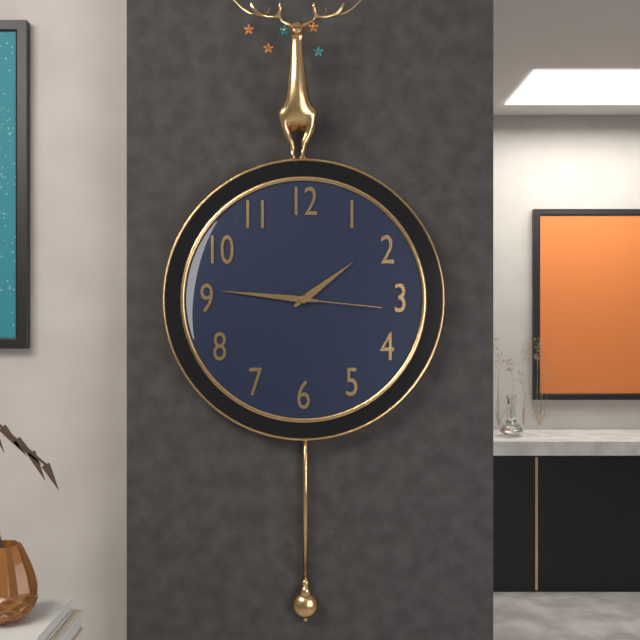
1:46:16
